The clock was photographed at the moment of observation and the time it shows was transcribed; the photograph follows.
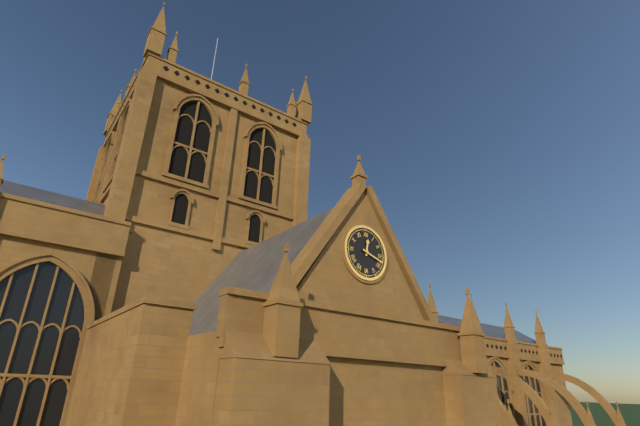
12:18
